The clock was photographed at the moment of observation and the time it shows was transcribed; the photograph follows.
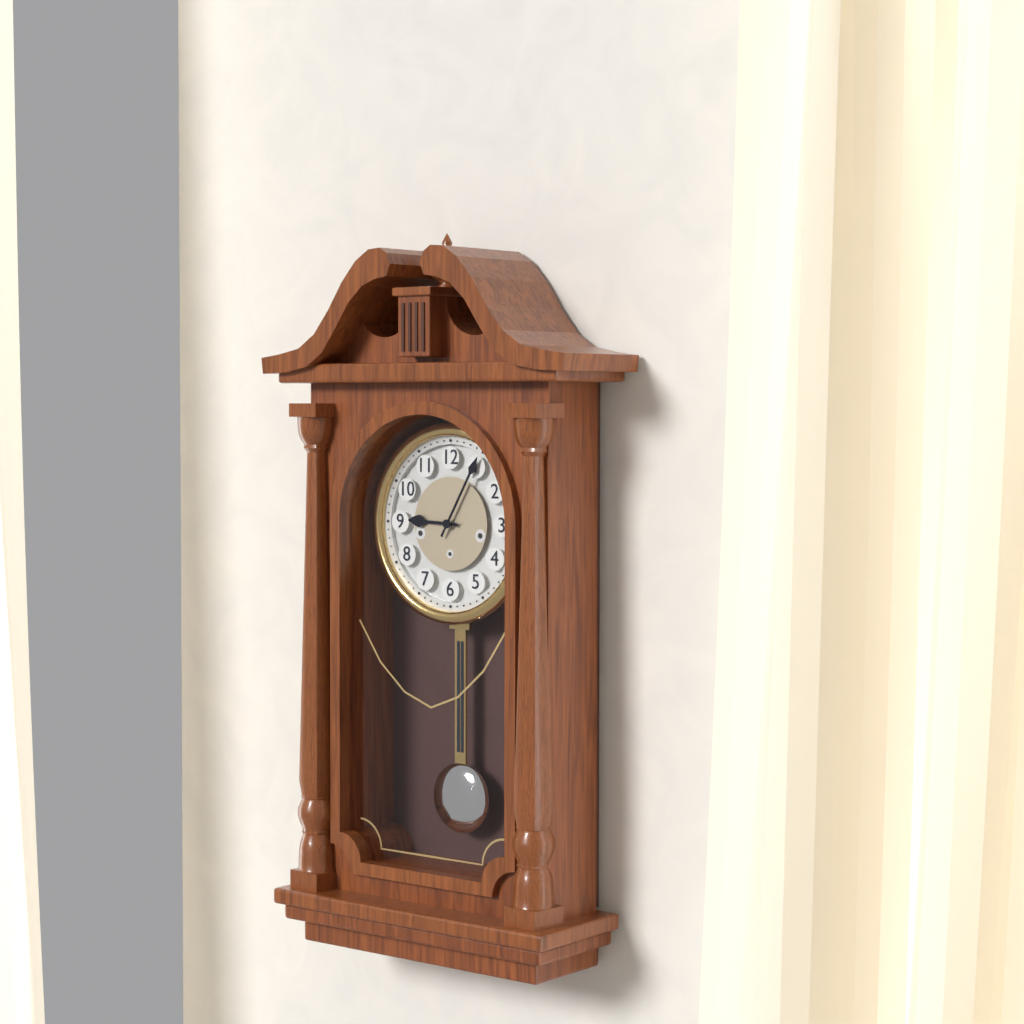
9:05
